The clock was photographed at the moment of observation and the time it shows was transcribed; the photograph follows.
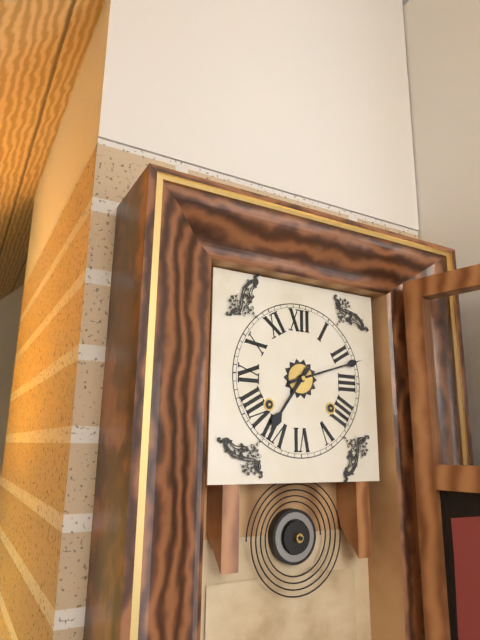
7:12
